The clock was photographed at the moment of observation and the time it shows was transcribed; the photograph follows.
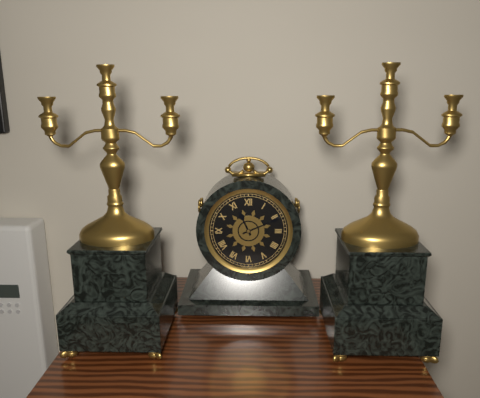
11:11
